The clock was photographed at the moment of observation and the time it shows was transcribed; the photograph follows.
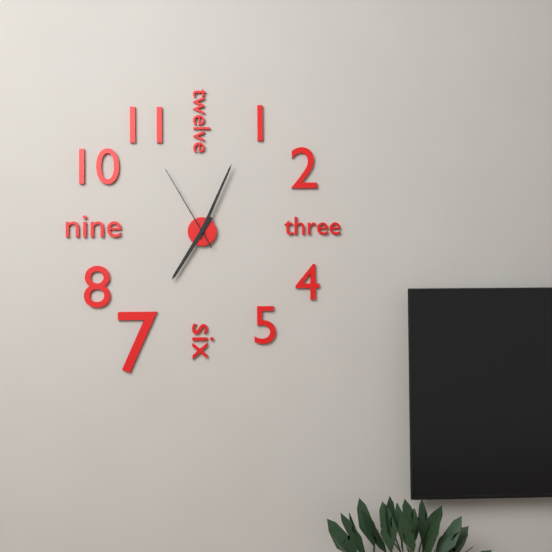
7:04:55
